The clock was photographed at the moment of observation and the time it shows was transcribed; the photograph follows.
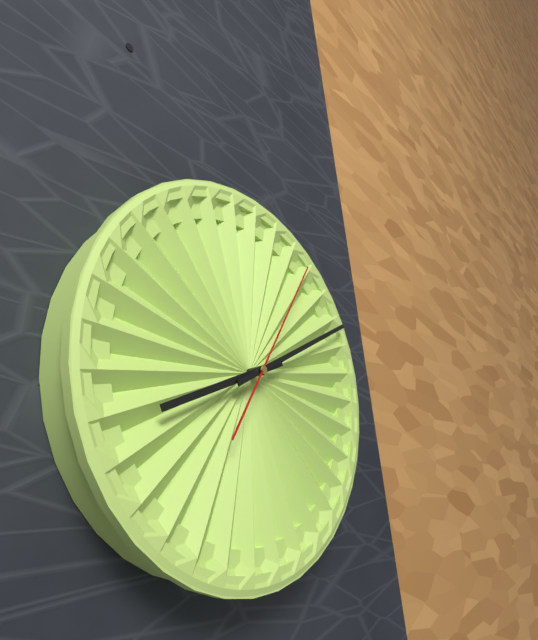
8:10:05
